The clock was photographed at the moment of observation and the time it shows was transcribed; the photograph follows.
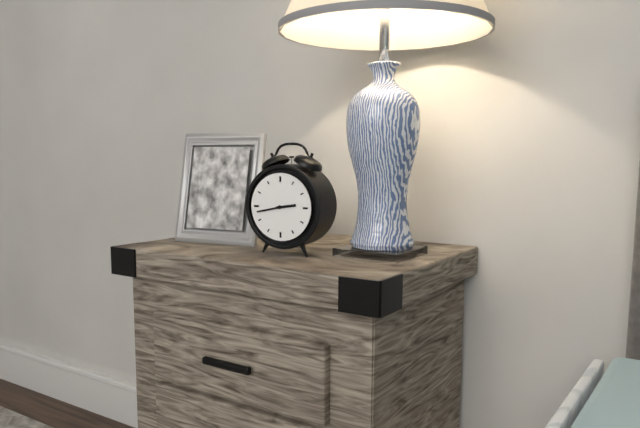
2:43
